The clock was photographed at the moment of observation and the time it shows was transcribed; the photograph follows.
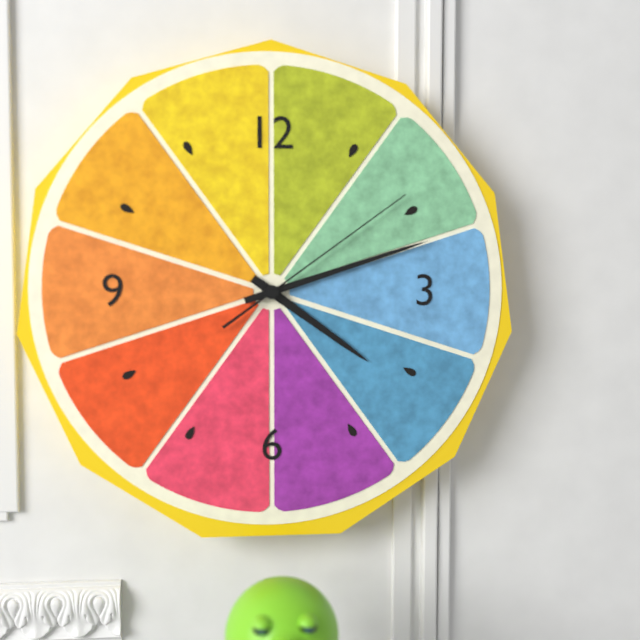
4:12:09
